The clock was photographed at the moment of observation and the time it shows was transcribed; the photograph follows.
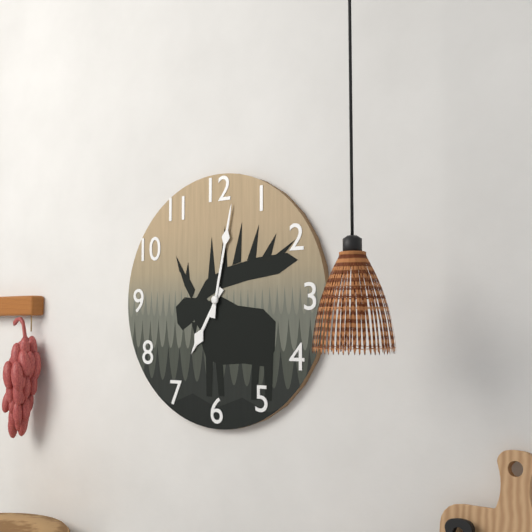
7:02
